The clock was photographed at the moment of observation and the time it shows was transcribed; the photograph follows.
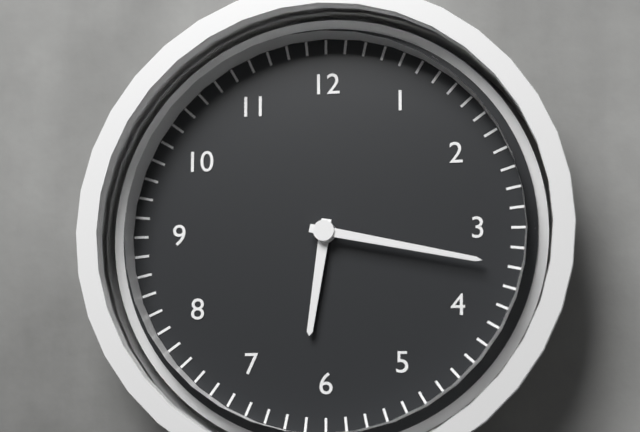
6:17
